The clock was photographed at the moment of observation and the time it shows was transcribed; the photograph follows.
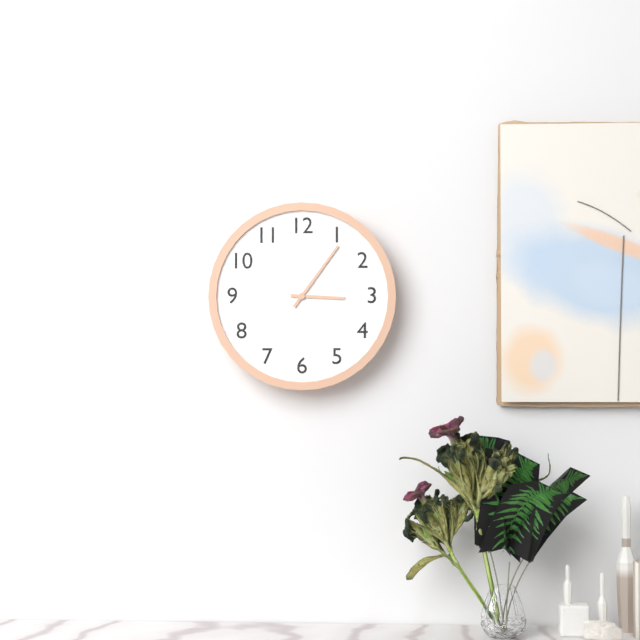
3:06
